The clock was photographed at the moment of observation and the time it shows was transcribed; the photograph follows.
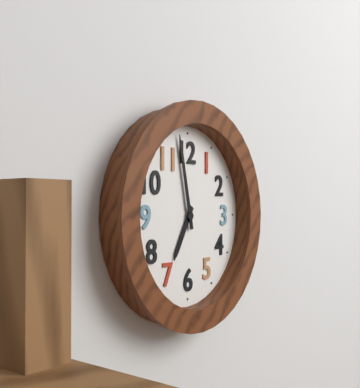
6:58
